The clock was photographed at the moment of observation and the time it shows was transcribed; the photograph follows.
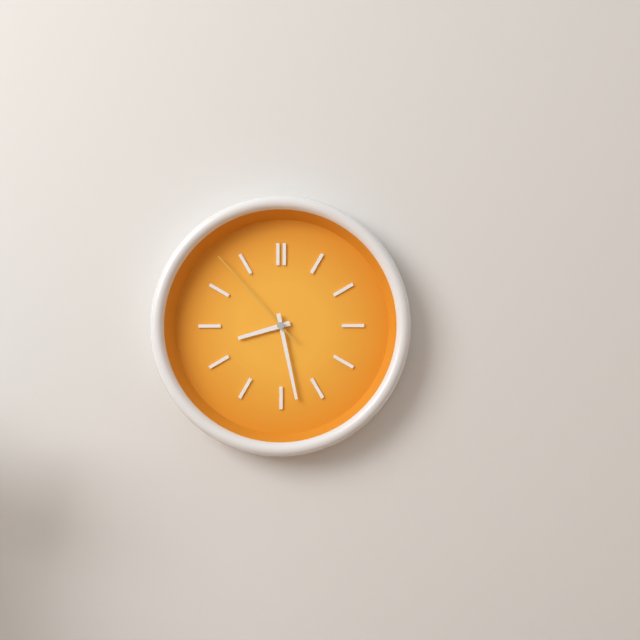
8:28:53
